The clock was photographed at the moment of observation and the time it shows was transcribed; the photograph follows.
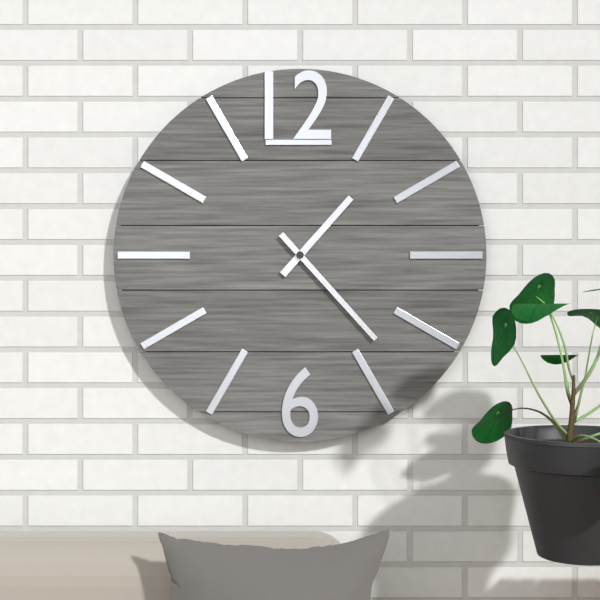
1:23
